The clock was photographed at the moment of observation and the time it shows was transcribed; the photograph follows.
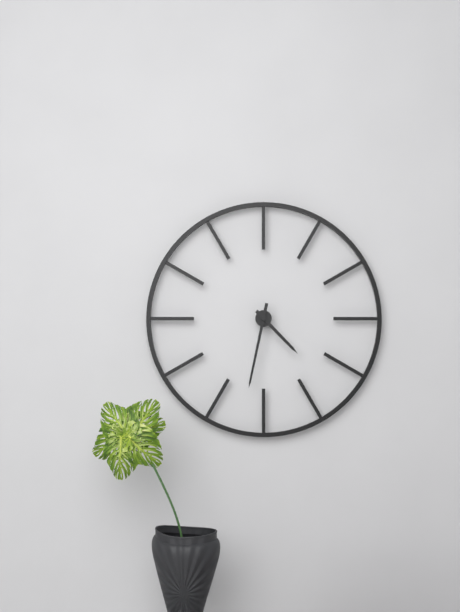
4:32
